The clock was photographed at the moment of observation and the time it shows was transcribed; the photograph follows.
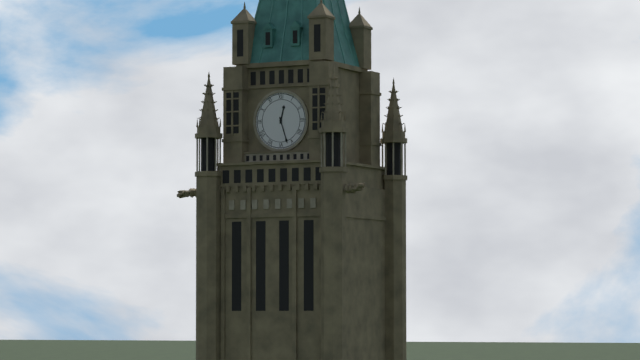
12:27
